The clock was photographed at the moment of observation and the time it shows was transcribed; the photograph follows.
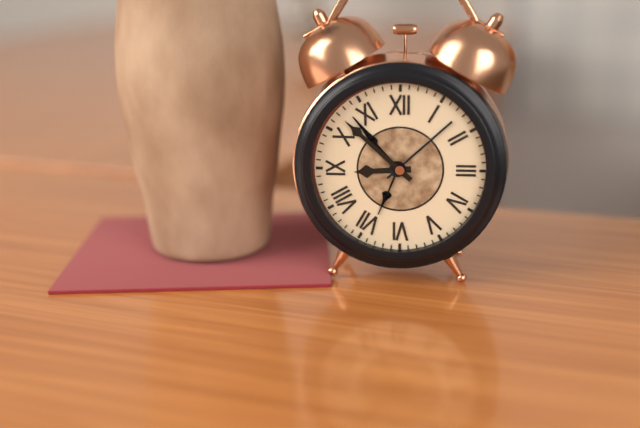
8:52
